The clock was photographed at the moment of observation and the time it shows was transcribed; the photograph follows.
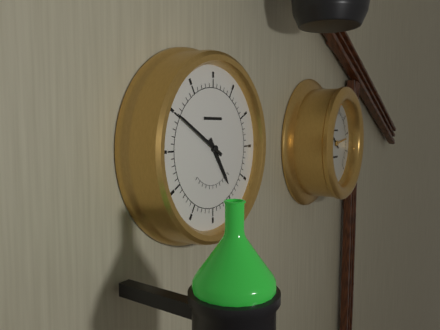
4:50
